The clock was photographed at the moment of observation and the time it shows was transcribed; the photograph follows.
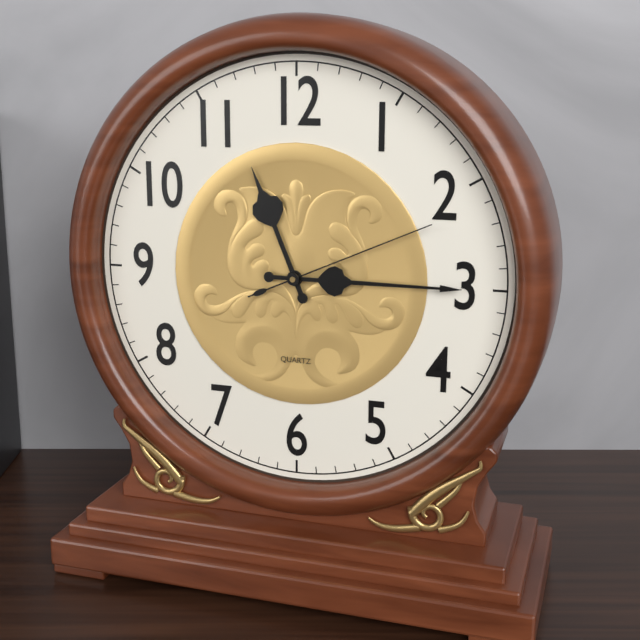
11:15:11
